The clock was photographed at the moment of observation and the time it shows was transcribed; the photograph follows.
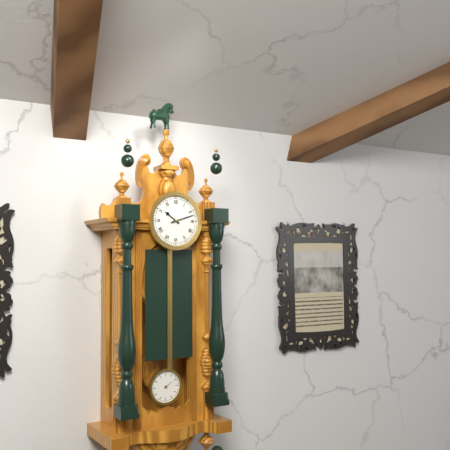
10:12
